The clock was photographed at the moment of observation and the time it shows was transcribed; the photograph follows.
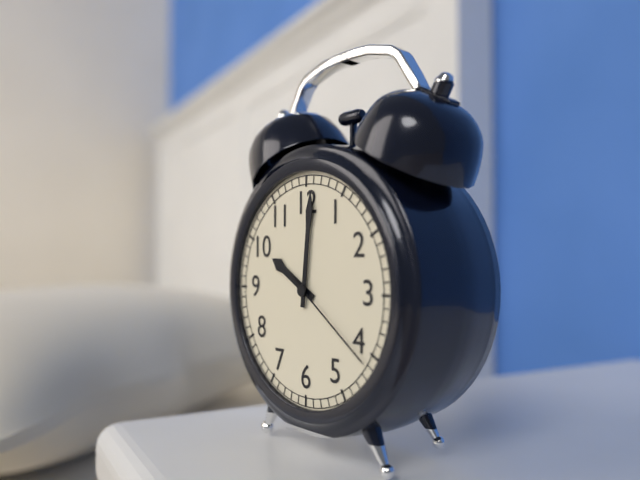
10:01:21
